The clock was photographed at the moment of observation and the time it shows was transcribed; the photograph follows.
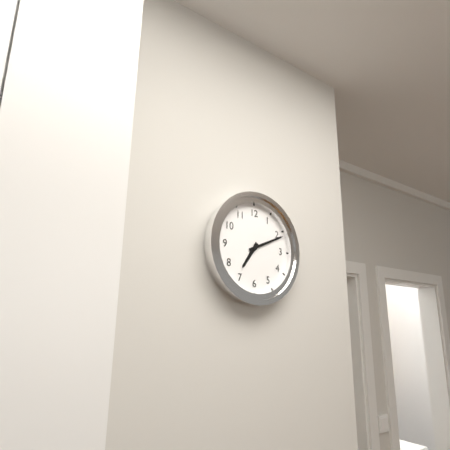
7:11
